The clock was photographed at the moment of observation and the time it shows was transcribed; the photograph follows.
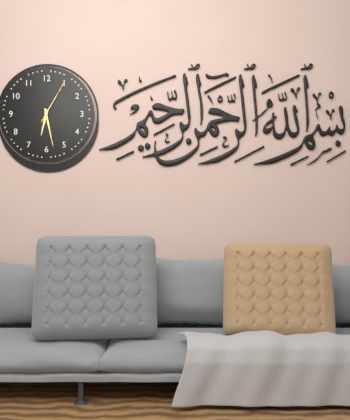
6:28
